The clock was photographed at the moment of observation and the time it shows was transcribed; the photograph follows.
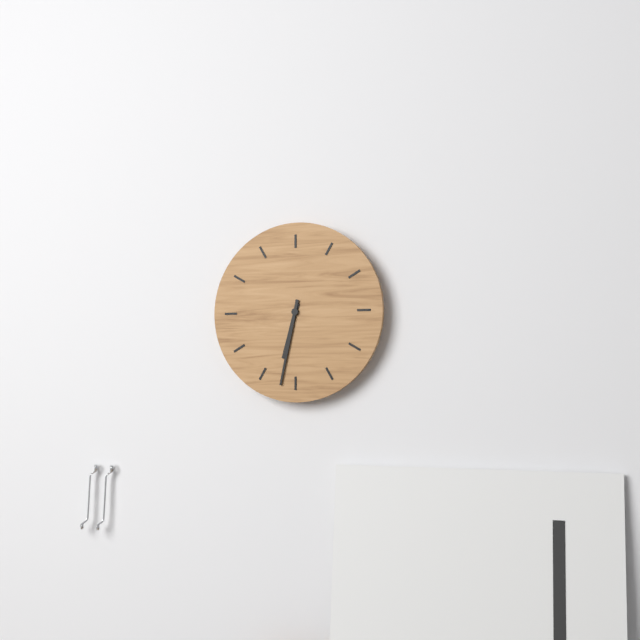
6:32
